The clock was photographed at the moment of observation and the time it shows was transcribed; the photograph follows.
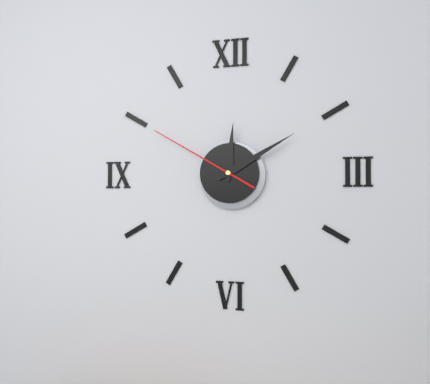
12:10:50
